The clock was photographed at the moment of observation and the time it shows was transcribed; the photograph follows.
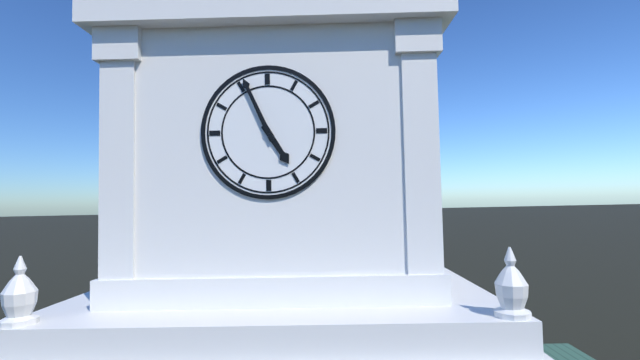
4:56
